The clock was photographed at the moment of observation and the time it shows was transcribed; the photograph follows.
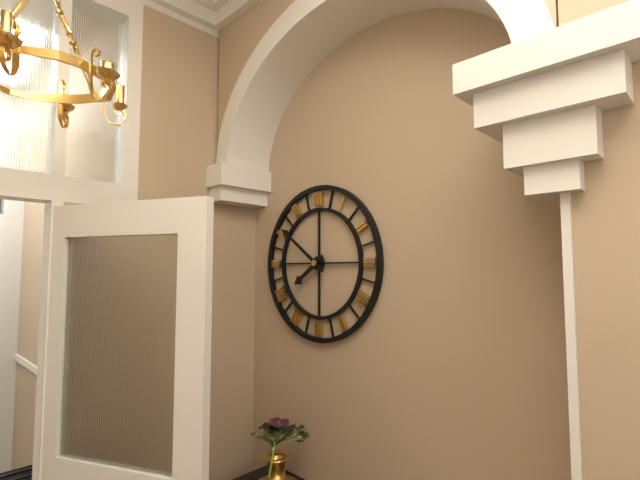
7:51
